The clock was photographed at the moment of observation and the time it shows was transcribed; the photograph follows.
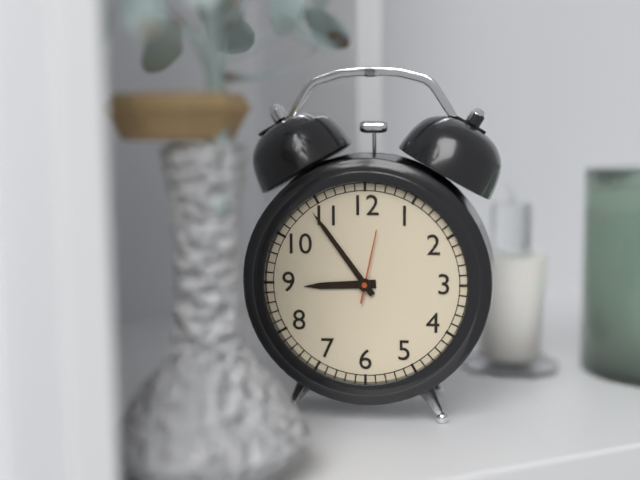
8:54:02
